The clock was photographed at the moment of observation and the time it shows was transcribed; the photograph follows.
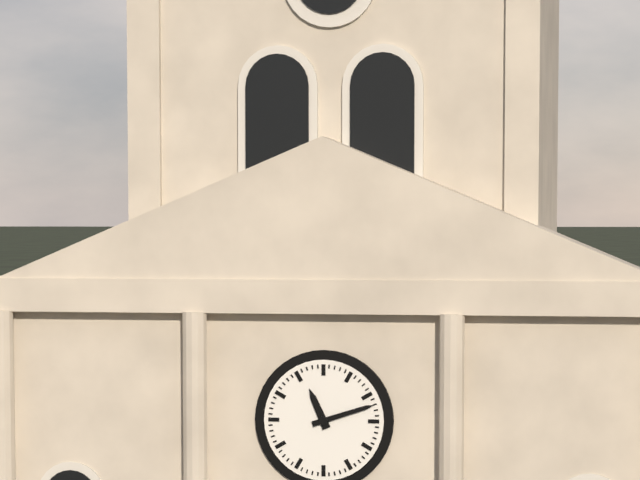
11:12
